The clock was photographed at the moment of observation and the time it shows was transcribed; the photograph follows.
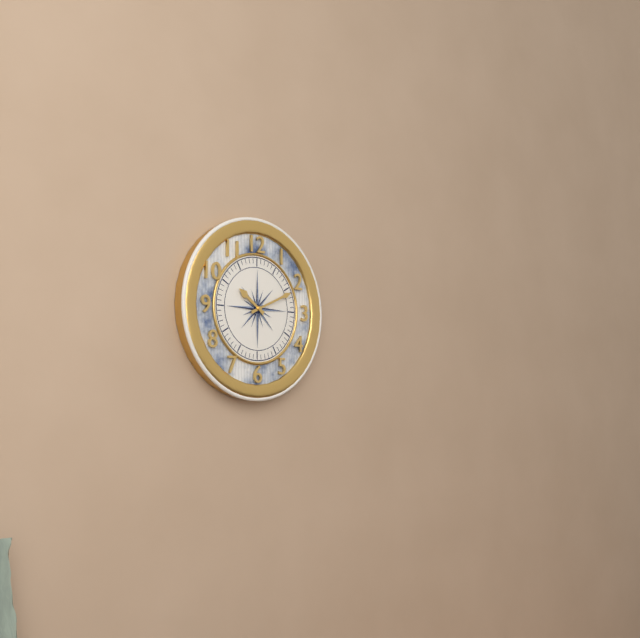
10:11
